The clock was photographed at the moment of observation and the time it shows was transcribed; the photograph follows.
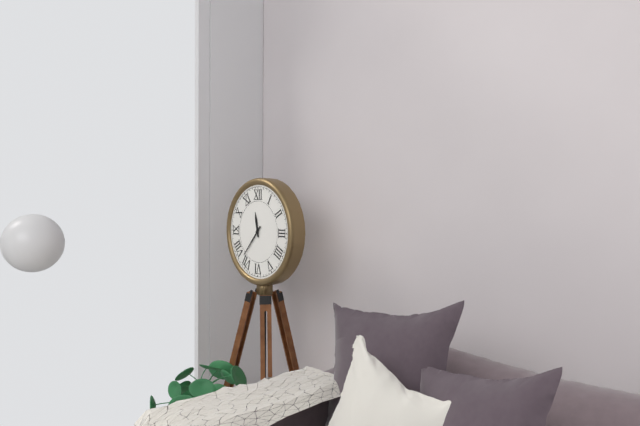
11:37
